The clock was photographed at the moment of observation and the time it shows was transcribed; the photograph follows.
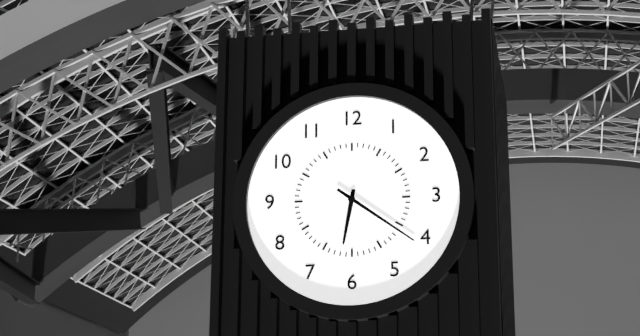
6:21
